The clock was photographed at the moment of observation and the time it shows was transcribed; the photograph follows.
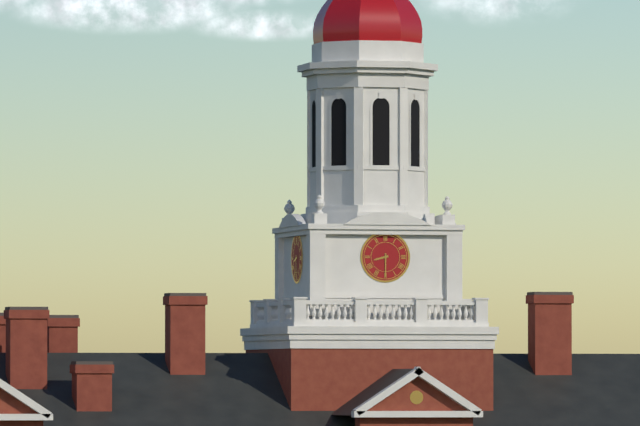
8:30
